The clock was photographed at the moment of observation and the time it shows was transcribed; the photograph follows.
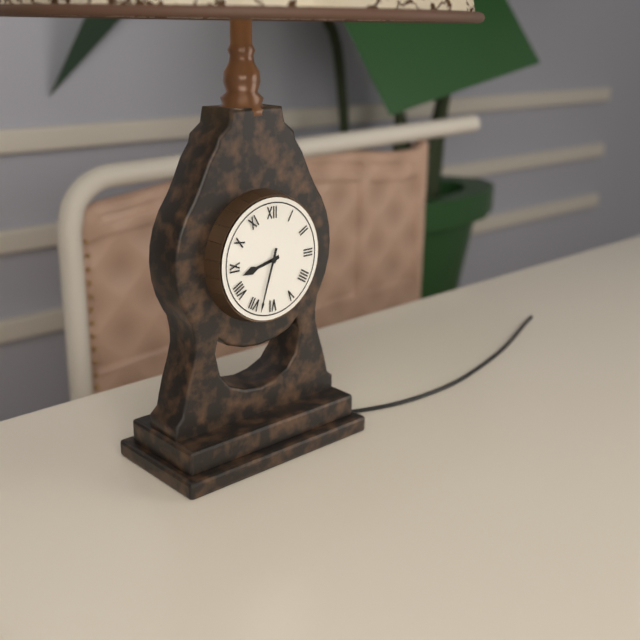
8:33
